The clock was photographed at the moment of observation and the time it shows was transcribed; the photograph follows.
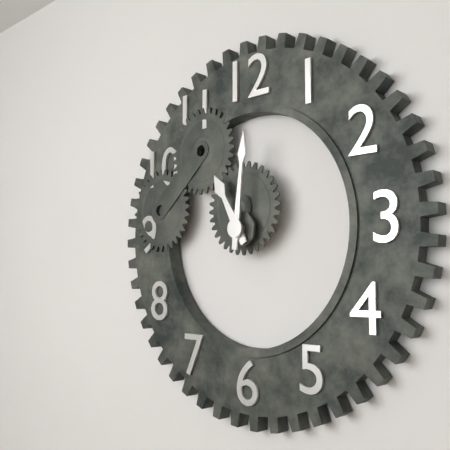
11:01
